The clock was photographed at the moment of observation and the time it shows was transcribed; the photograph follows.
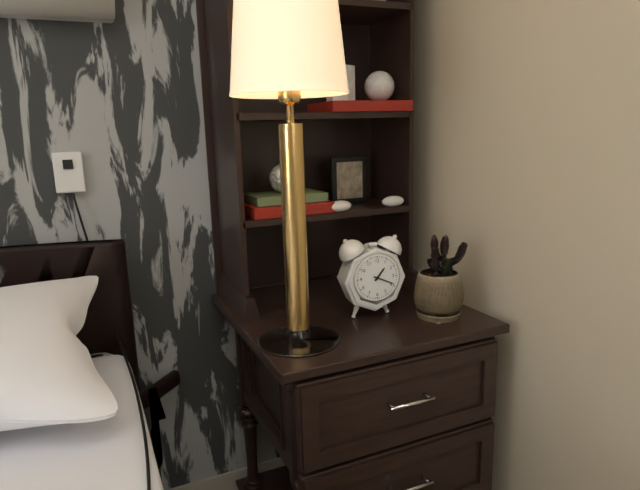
1:19
